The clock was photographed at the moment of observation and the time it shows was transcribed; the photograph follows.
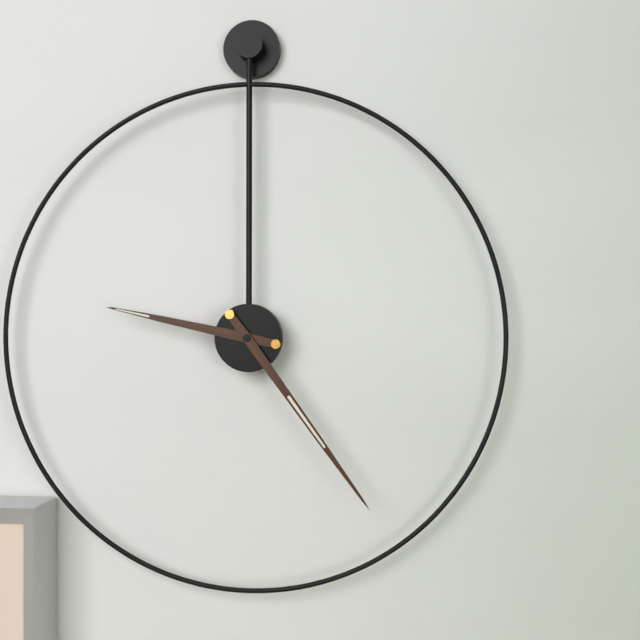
9:24
